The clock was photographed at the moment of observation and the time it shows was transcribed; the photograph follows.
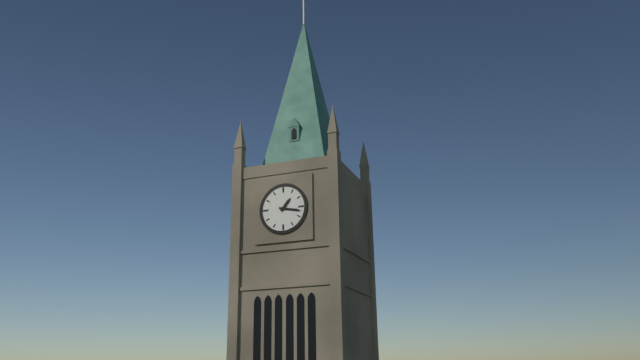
1:17
